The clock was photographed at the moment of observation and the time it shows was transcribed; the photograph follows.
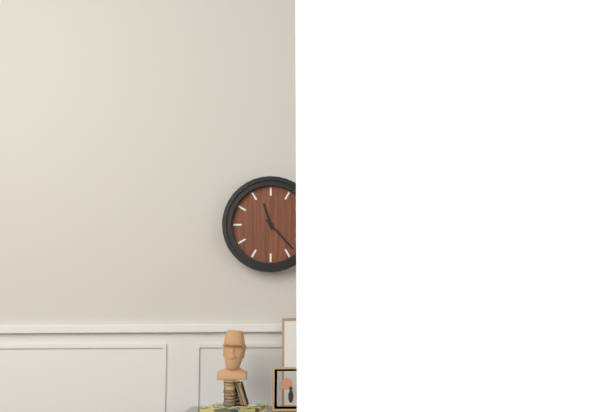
11:23
